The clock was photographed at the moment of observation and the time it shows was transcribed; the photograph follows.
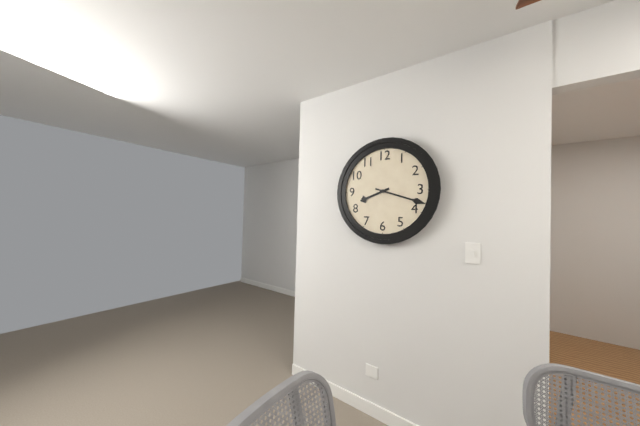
8:18
